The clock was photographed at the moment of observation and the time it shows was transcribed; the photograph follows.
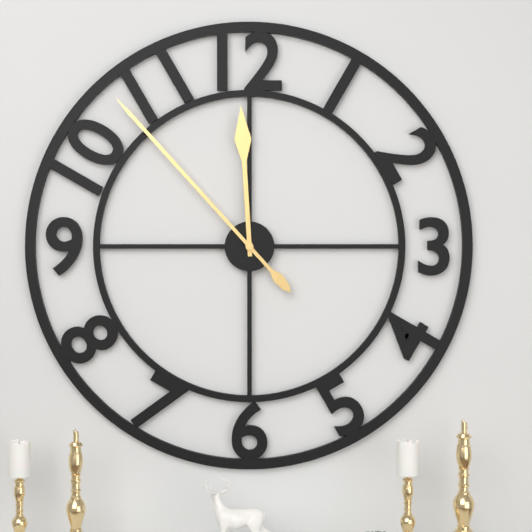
11:53
